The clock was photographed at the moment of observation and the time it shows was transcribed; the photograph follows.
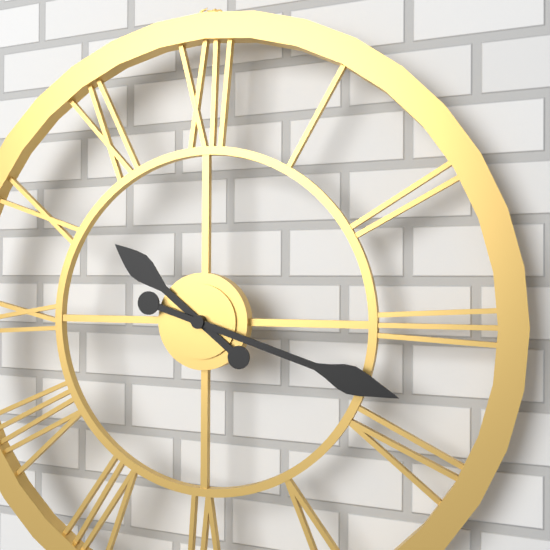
10:18
